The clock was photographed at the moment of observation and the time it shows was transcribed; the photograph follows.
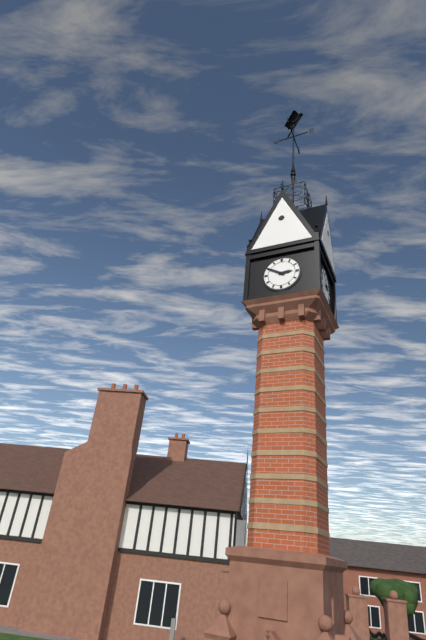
2:50
